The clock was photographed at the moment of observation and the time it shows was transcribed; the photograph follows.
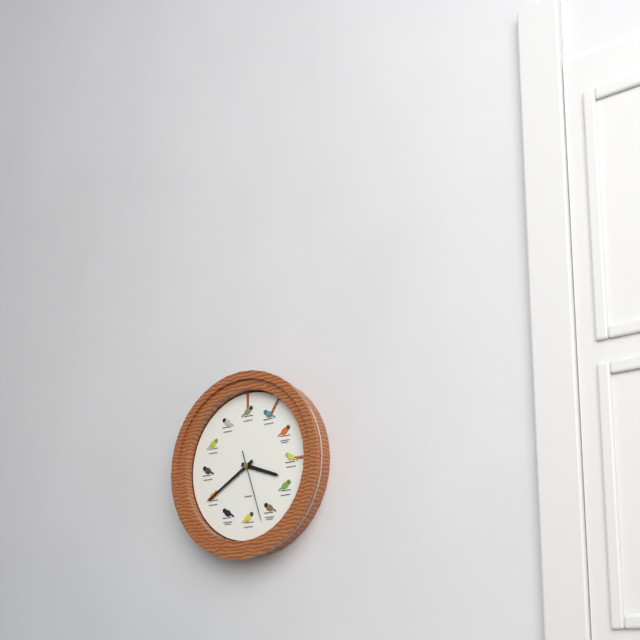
3:40:27
